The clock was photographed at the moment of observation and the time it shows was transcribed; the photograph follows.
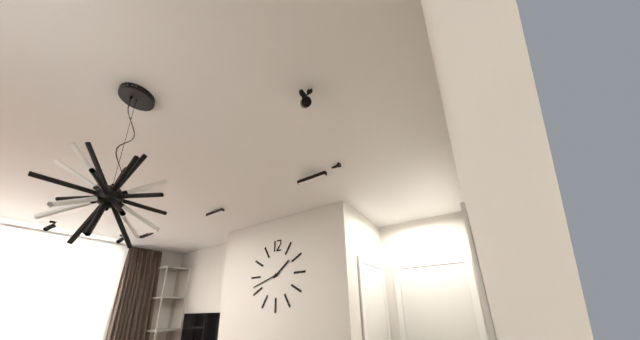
1:42
